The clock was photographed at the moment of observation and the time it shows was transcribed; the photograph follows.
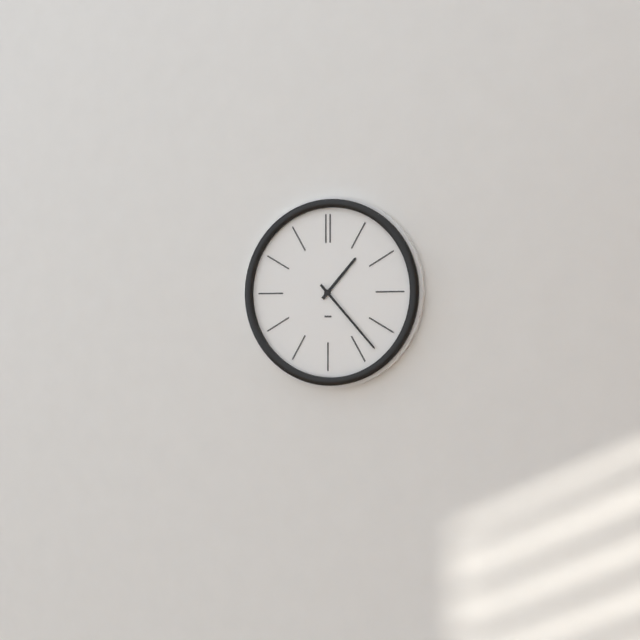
1:23
